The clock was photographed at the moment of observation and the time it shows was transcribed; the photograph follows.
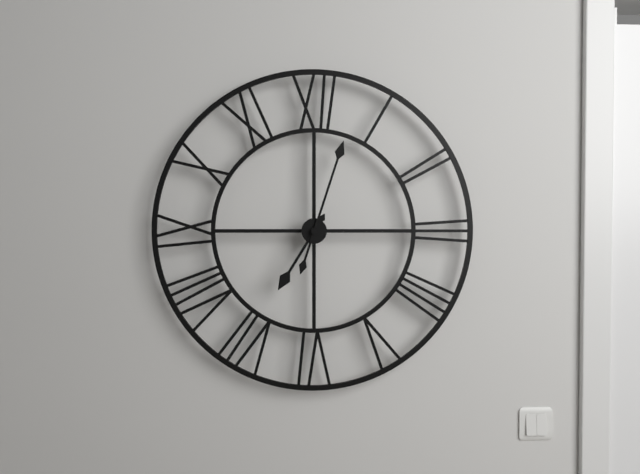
7:03
